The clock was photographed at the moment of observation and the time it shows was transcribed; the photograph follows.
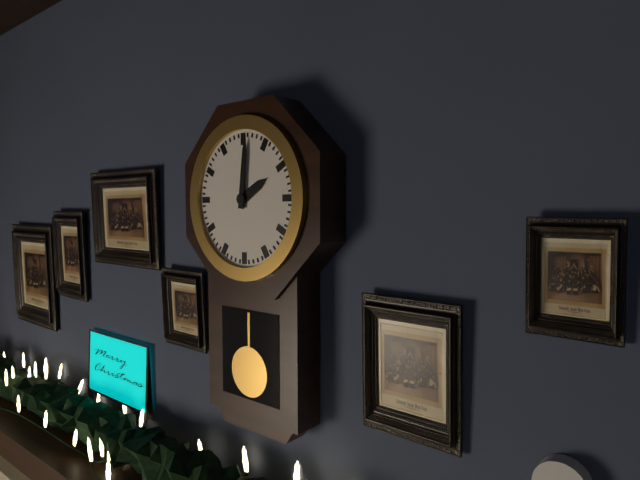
2:01
